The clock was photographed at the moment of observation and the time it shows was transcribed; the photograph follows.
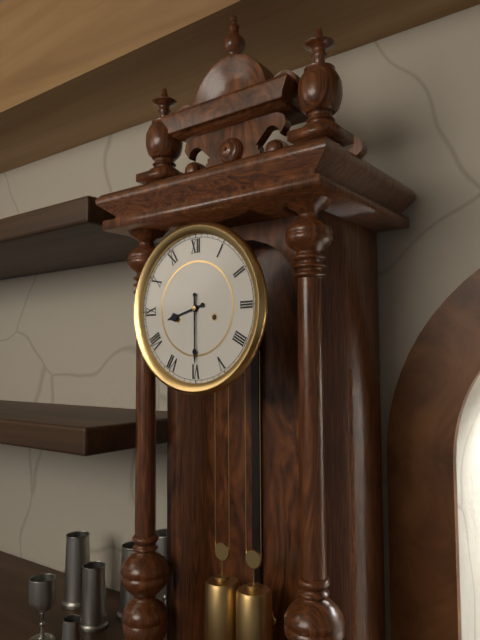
8:30
